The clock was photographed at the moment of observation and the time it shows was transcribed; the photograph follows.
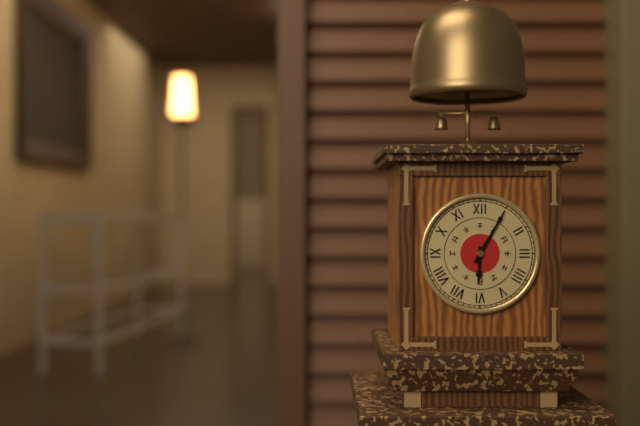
6:05
